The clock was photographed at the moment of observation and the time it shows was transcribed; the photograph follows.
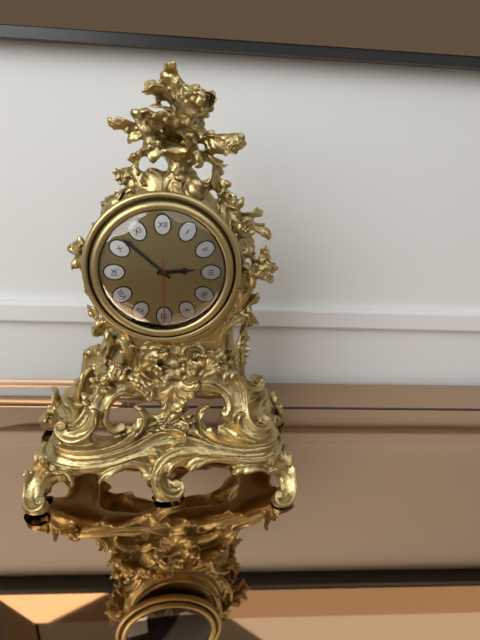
2:52:30
